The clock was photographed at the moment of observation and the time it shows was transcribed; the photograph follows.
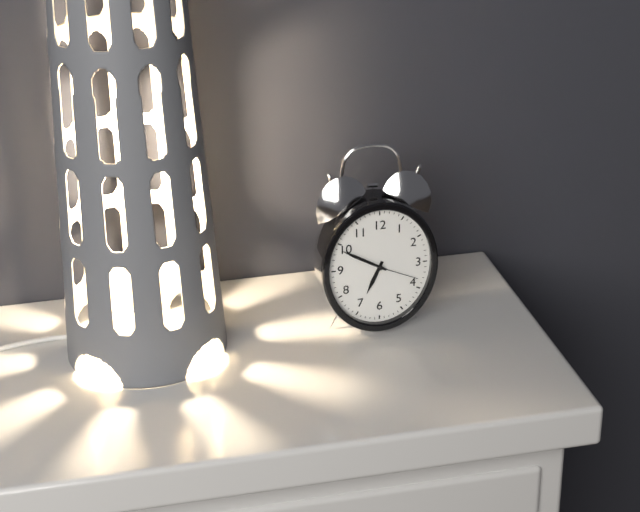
6:50:19
